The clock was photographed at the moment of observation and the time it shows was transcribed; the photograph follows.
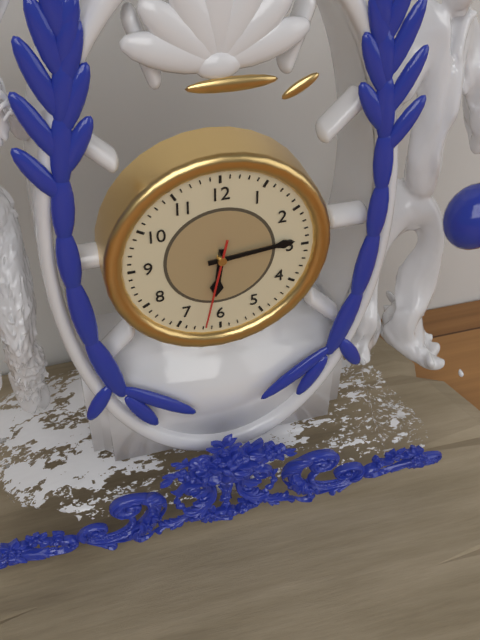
6:14:32
